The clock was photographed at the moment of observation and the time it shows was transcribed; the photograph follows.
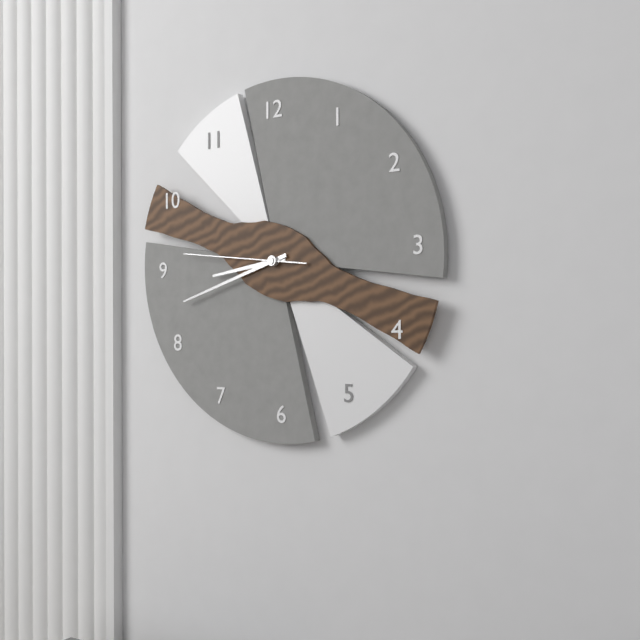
8:42:46
